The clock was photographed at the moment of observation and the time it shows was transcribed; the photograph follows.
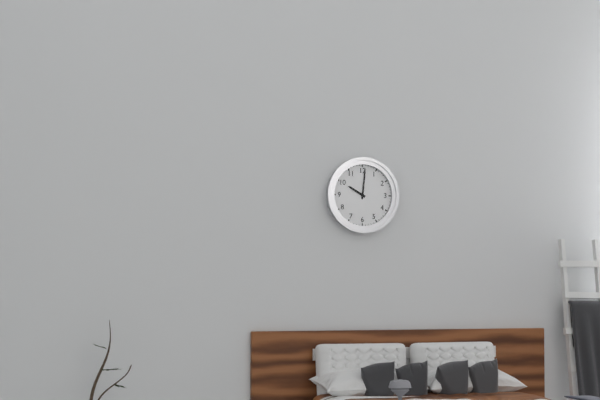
10:01
